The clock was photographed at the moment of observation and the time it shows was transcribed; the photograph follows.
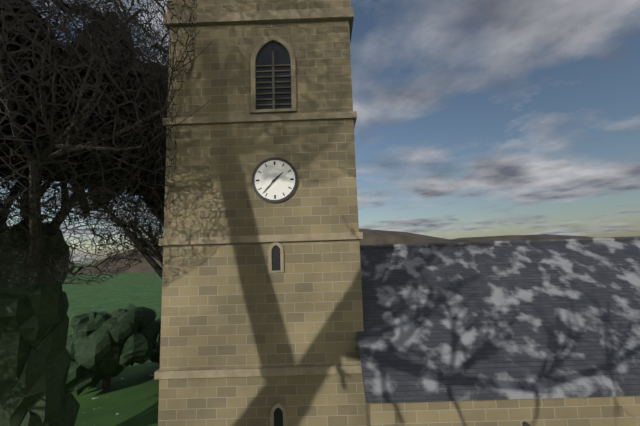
1:37
